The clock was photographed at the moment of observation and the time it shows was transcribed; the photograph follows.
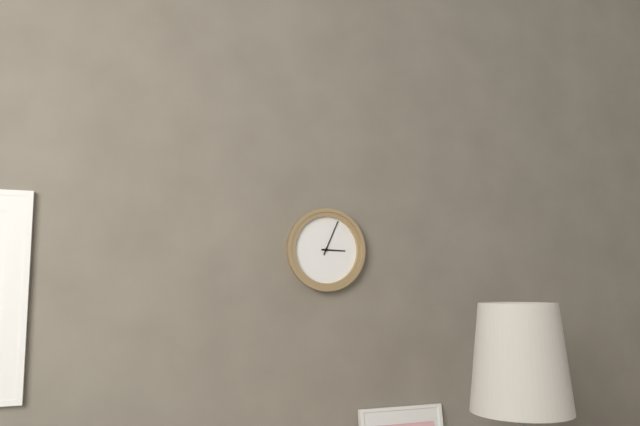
3:04
